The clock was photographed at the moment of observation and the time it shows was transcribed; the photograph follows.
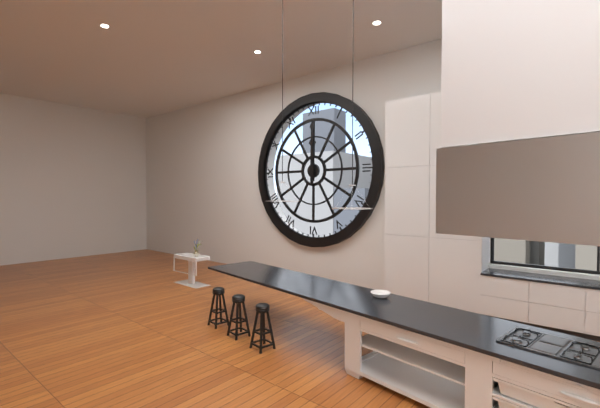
12:00
